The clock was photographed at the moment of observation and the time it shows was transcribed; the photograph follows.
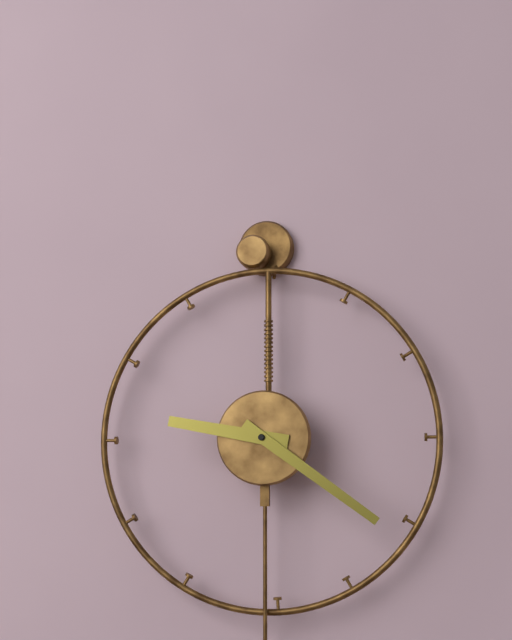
9:21
